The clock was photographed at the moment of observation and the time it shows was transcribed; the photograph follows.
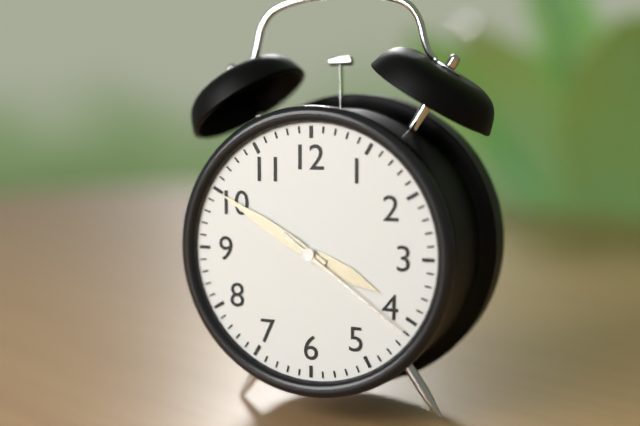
3:50:21
